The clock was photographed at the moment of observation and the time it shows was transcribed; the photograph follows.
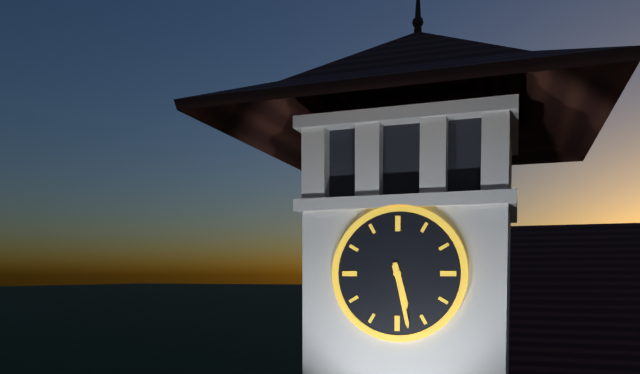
5:28
